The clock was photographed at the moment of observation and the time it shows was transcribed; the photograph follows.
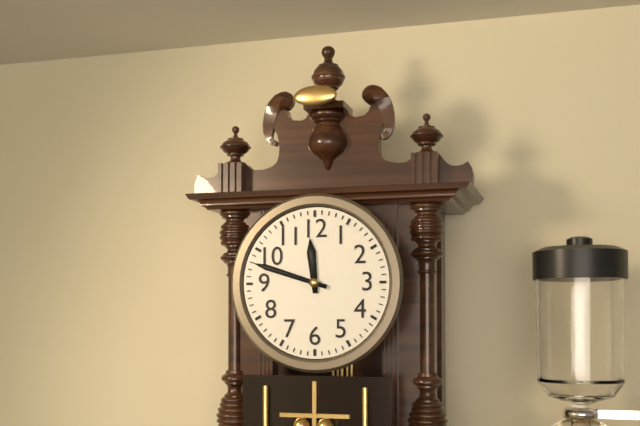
11:48
